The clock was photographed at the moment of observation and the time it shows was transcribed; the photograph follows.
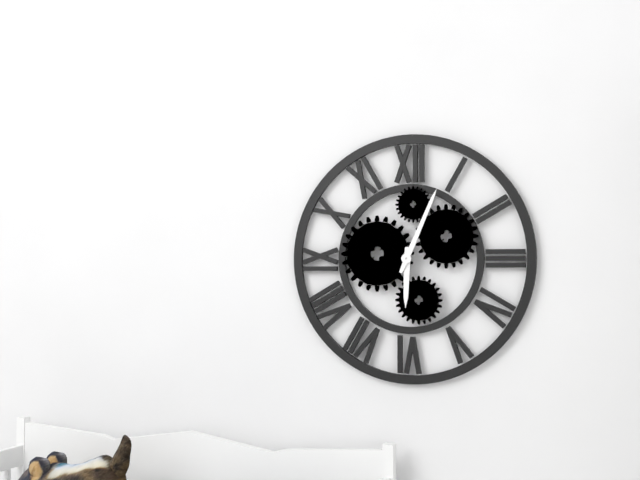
6:04
